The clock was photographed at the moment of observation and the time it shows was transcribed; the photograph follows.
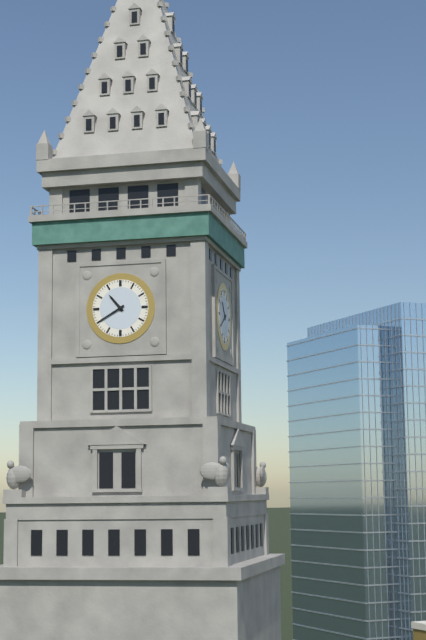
10:40
